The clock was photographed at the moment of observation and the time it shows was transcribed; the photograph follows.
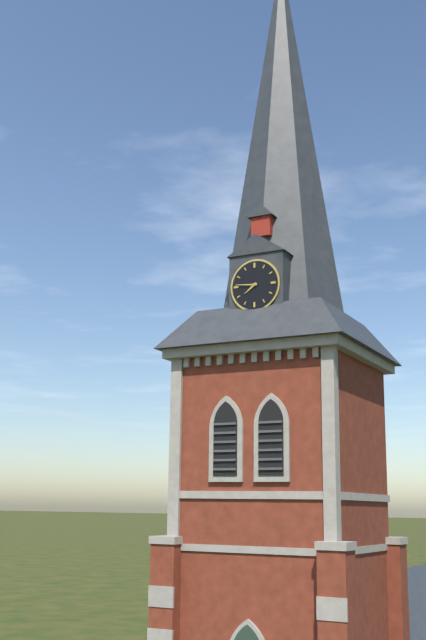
7:46
